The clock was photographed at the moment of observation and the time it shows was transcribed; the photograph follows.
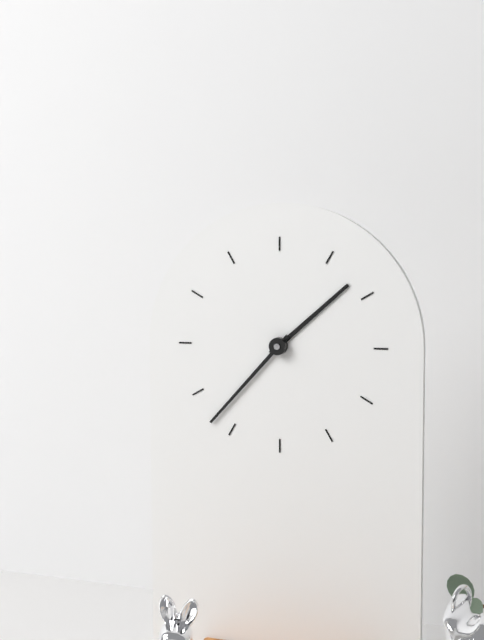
1:37
